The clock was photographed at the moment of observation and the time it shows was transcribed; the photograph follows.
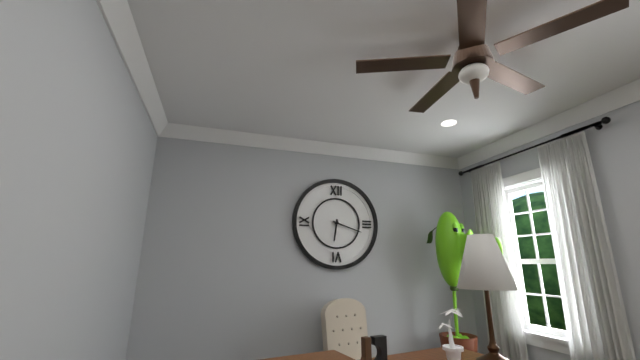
6:18
